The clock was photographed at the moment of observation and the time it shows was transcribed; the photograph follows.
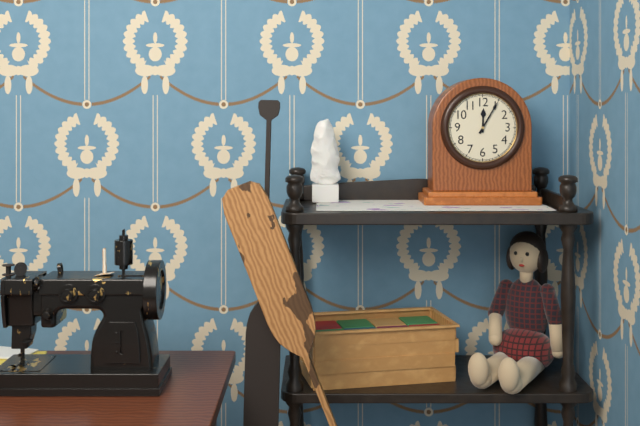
12:05
